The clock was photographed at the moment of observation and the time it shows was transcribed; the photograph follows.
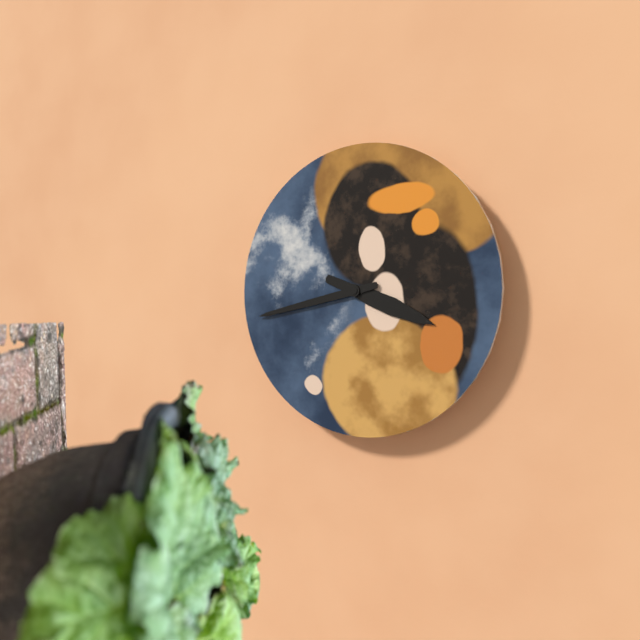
3:43
